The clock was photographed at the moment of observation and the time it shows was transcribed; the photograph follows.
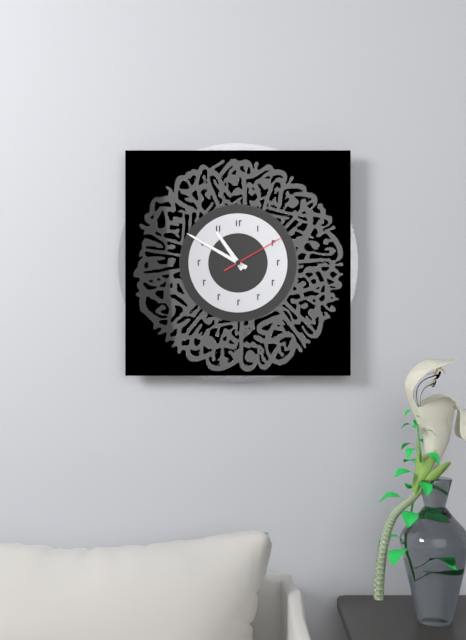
10:50:10
